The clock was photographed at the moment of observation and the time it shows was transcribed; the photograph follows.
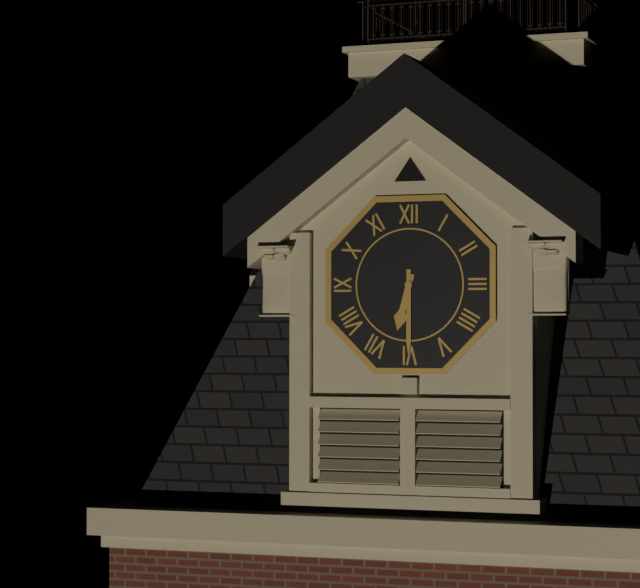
6:30
